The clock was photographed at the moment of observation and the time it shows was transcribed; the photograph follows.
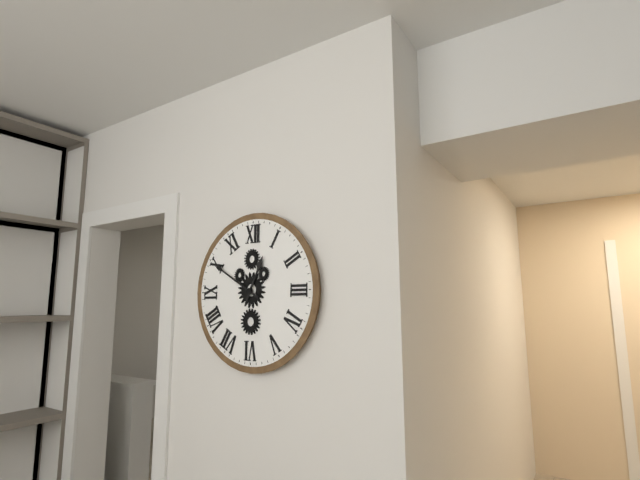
12:50
